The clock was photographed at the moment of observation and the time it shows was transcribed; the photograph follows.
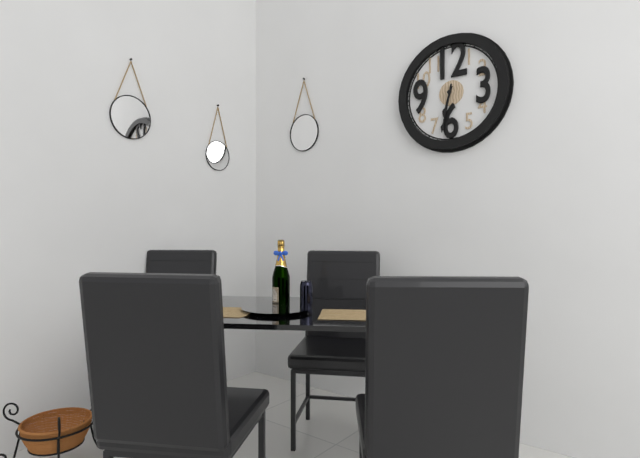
6:32
